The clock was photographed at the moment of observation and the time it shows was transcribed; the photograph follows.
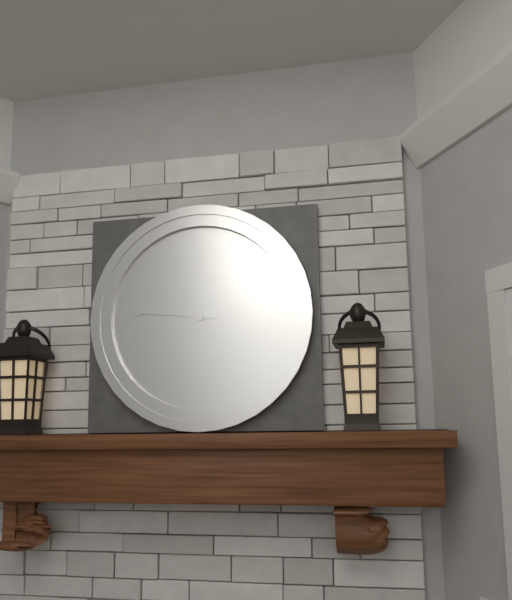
7:46
